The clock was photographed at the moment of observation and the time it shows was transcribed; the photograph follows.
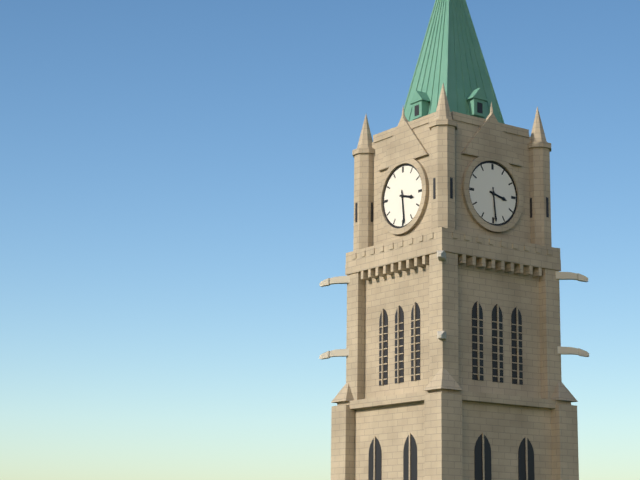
3:29
